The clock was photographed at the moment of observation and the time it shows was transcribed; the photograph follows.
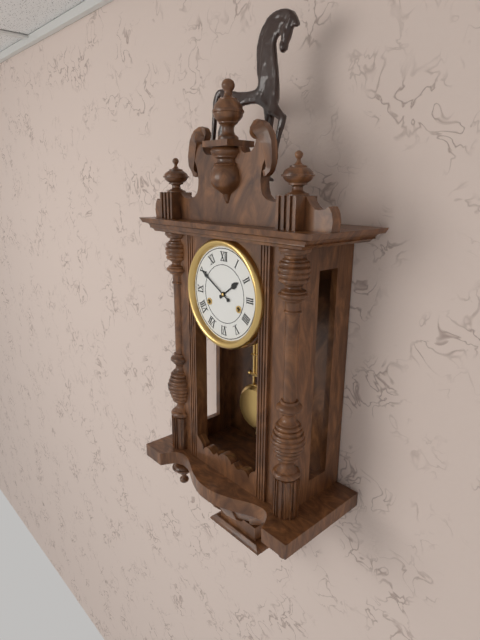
1:50
